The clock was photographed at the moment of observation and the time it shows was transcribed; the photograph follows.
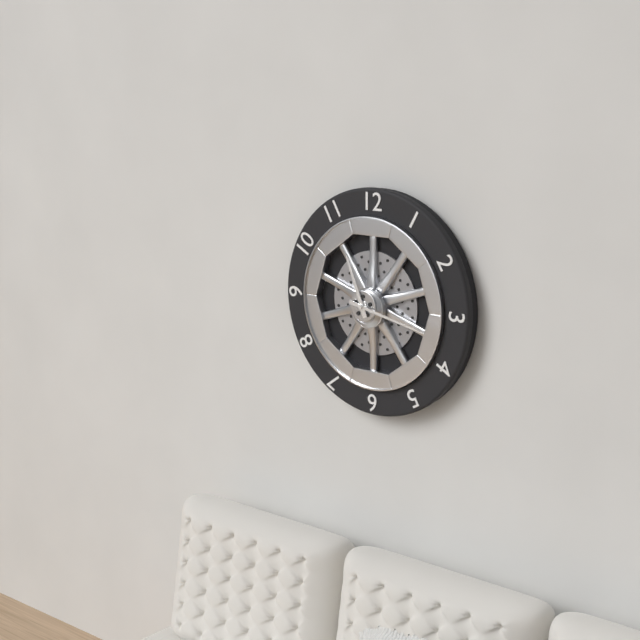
11:17
